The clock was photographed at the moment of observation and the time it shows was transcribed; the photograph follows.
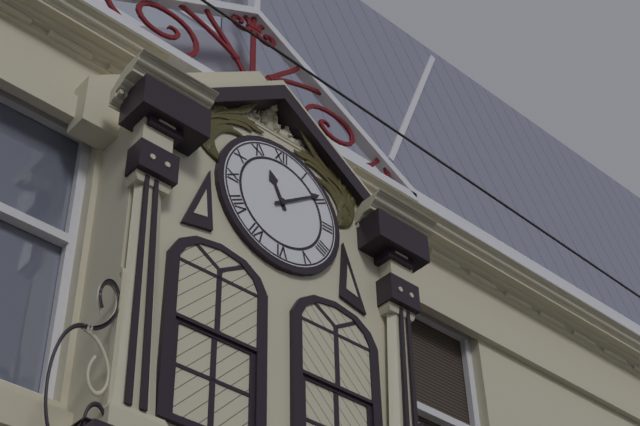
11:09
